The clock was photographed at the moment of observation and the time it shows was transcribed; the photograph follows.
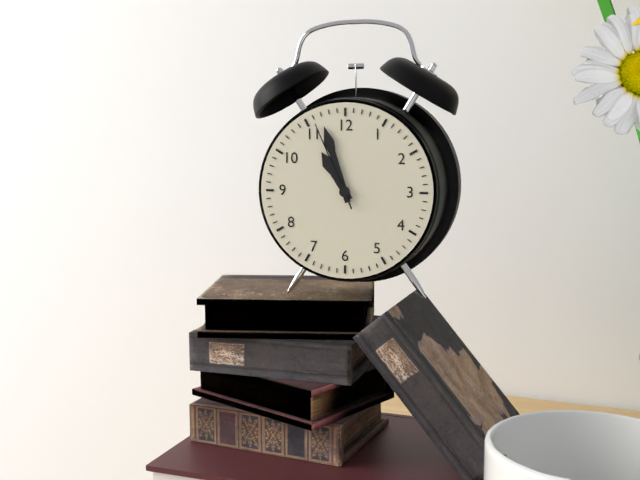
10:57:56
